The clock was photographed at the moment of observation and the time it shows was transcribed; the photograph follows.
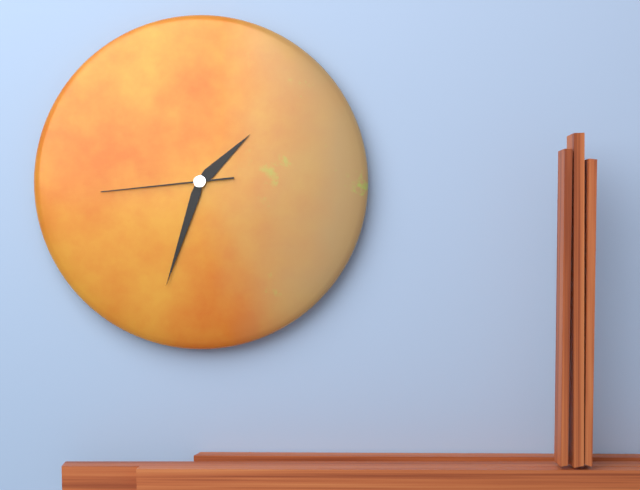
1:33:44
